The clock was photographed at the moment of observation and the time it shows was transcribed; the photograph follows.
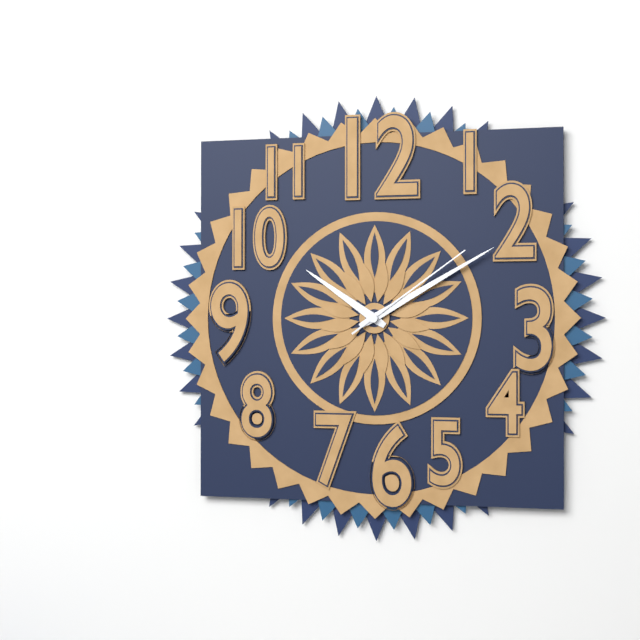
10:10:09
